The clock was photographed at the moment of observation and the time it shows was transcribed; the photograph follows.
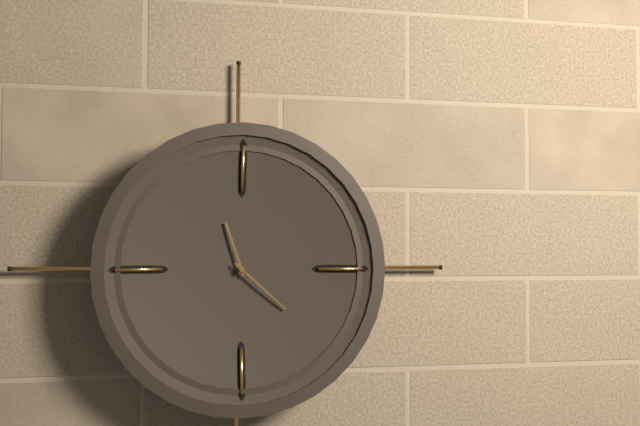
11:22
